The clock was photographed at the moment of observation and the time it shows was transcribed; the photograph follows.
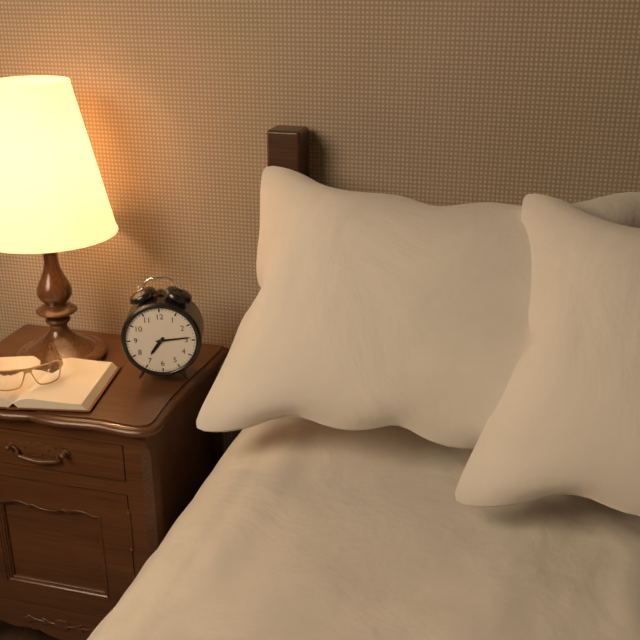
7:14
